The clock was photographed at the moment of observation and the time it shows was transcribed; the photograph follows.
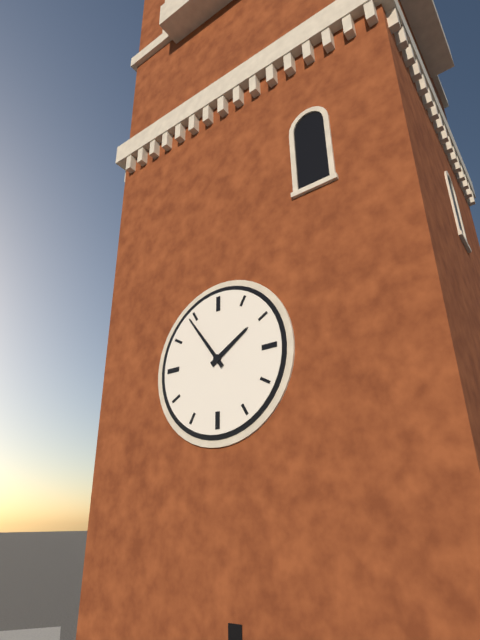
1:54
